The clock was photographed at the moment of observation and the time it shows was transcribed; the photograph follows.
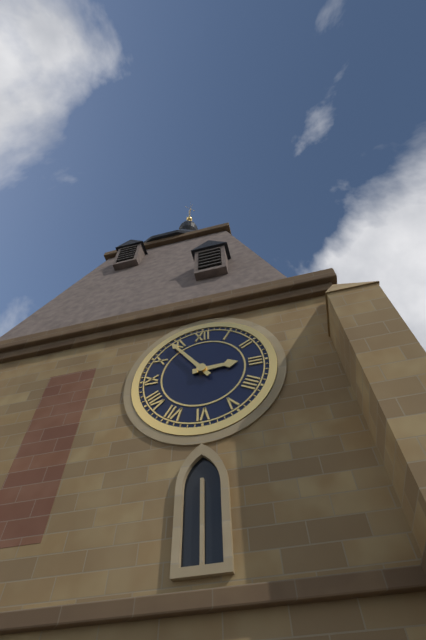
2:54
